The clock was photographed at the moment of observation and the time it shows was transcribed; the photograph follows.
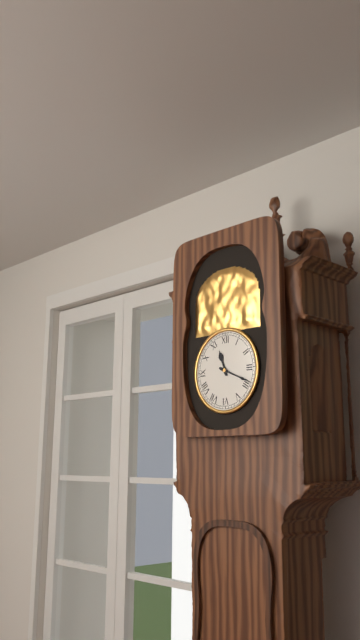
11:19
